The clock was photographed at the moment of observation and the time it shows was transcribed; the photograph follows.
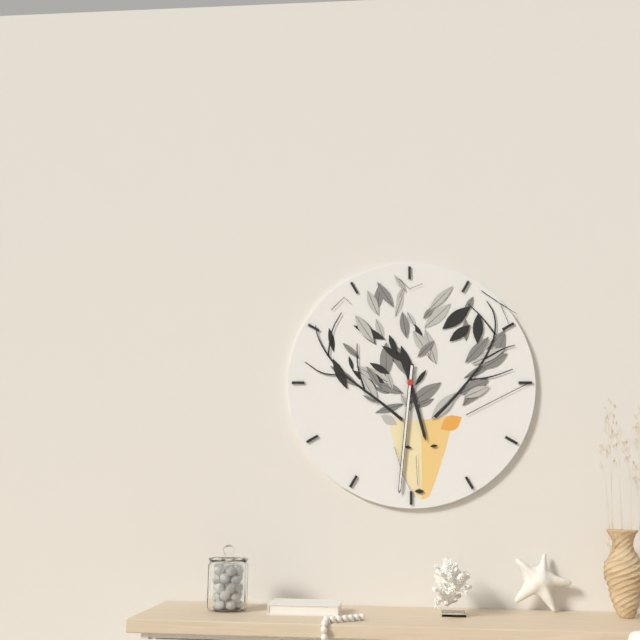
5:31
